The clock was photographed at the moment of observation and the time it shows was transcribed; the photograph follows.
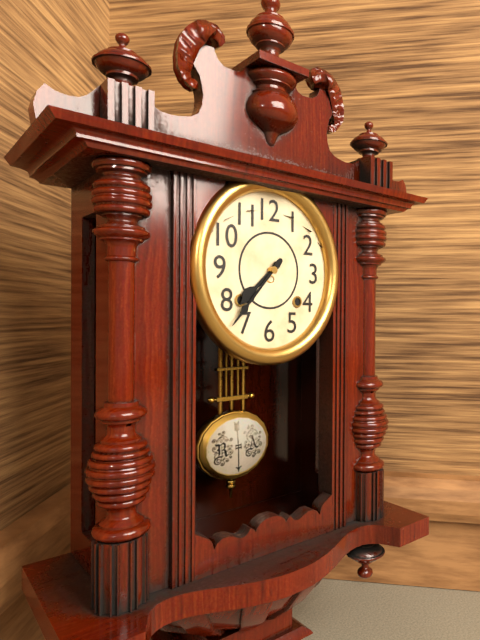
7:37
